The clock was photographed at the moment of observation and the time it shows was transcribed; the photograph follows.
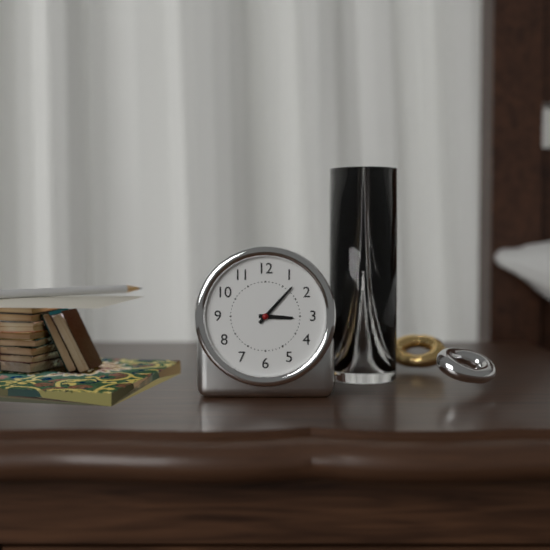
3:07
